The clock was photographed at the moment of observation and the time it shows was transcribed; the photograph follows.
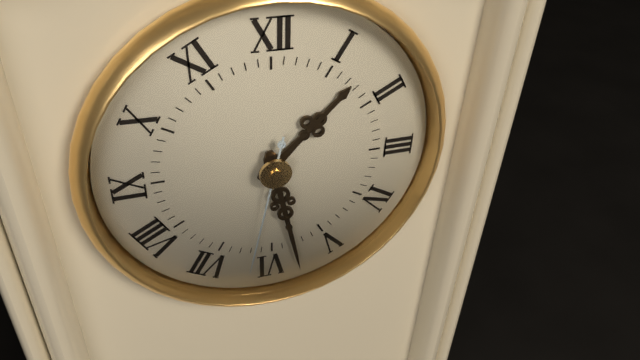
1:28:32
